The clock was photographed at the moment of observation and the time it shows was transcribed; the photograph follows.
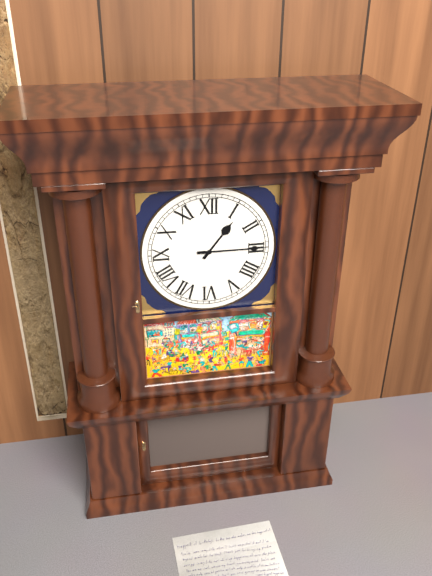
1:15
